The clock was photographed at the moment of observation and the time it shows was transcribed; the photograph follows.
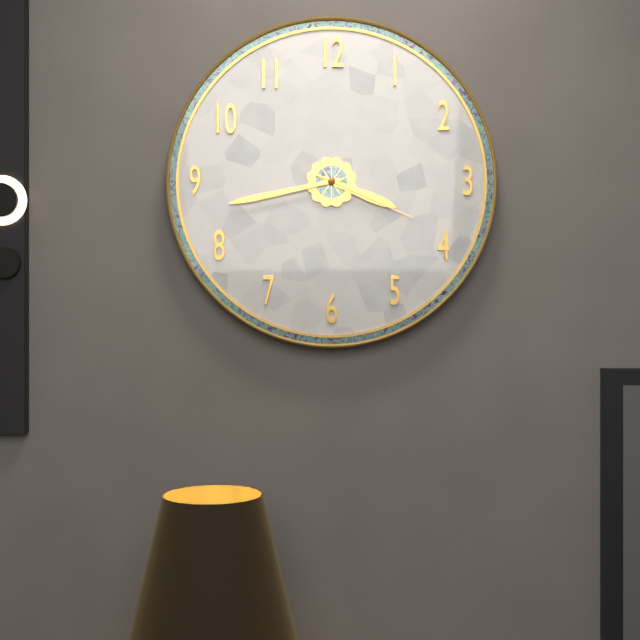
3:43:19
